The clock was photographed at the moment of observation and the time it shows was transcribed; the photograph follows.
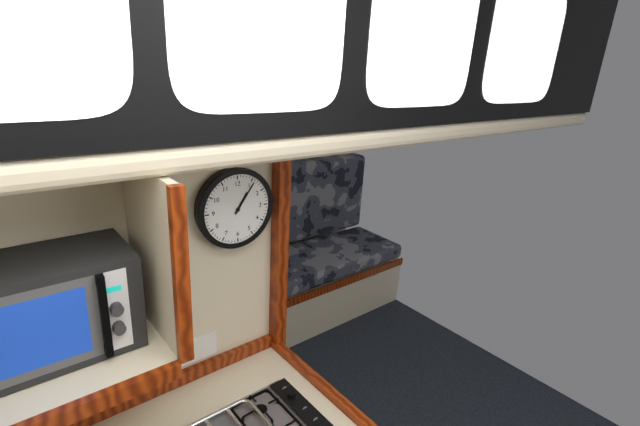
1:06
